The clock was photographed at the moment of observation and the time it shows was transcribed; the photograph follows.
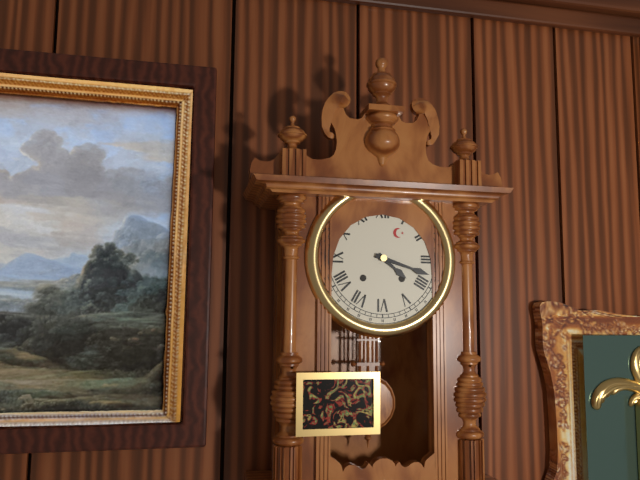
4:18
